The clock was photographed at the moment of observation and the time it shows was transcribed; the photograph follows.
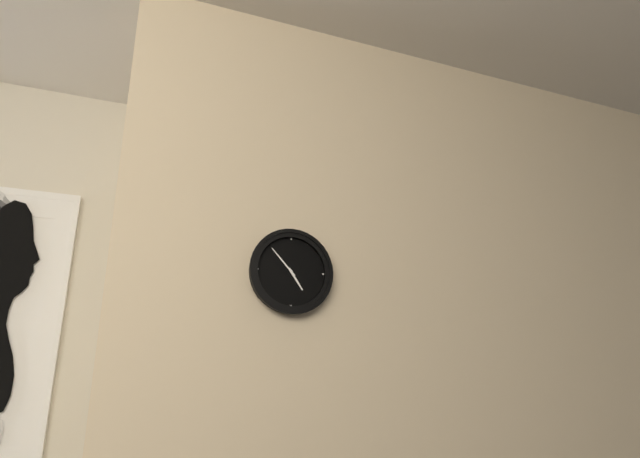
4:53
